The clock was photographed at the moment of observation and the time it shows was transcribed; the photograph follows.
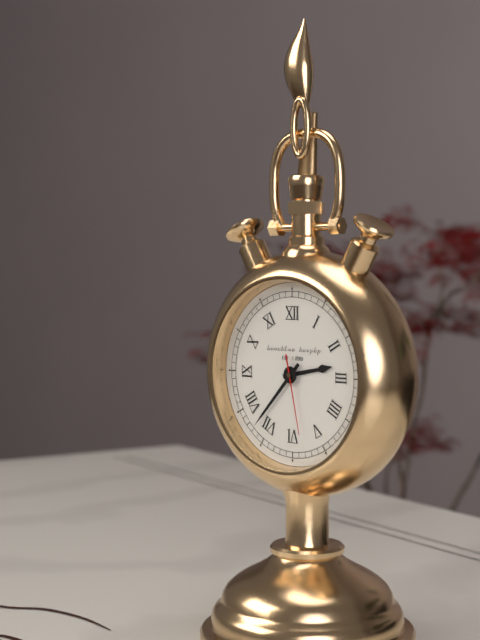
2:37:28
